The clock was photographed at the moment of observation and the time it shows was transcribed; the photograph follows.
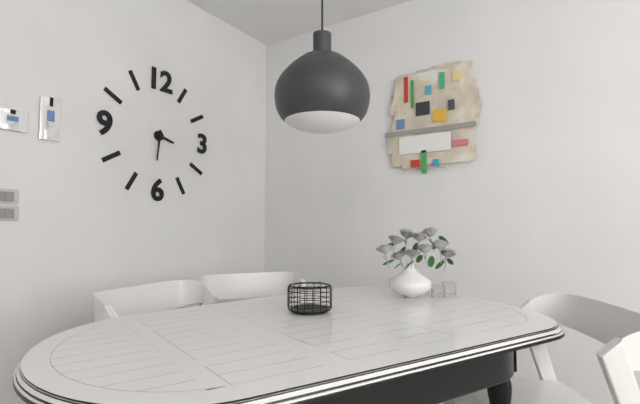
3:31
